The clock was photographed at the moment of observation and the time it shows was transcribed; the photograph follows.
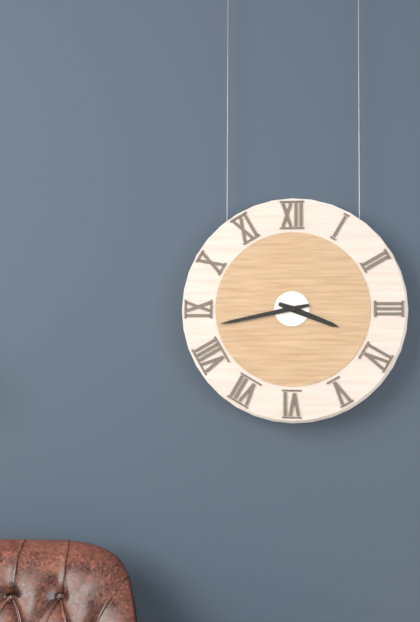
3:43
